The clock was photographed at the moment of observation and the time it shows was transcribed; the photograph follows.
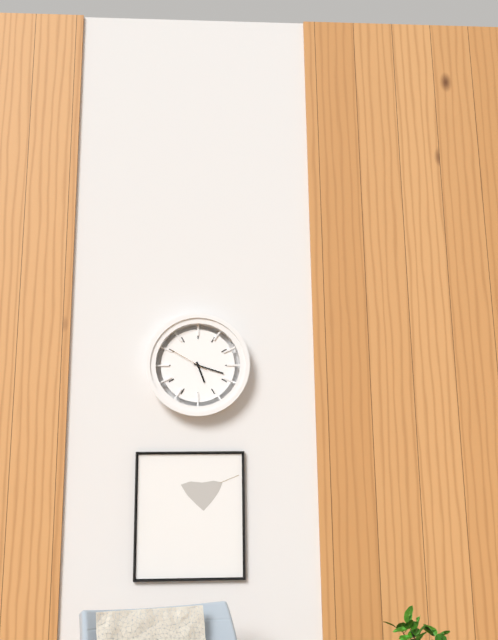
5:18
